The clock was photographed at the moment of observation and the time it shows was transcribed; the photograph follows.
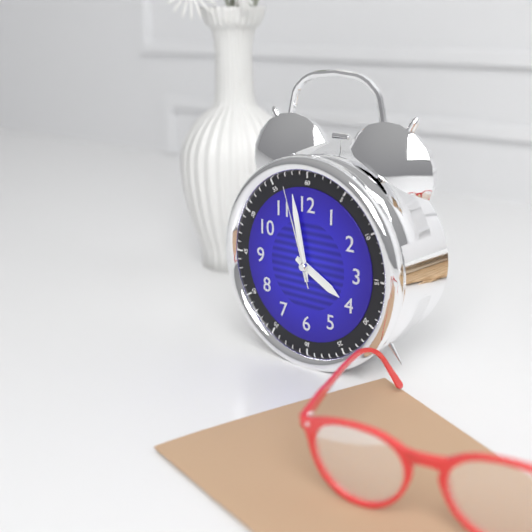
3:58:57
